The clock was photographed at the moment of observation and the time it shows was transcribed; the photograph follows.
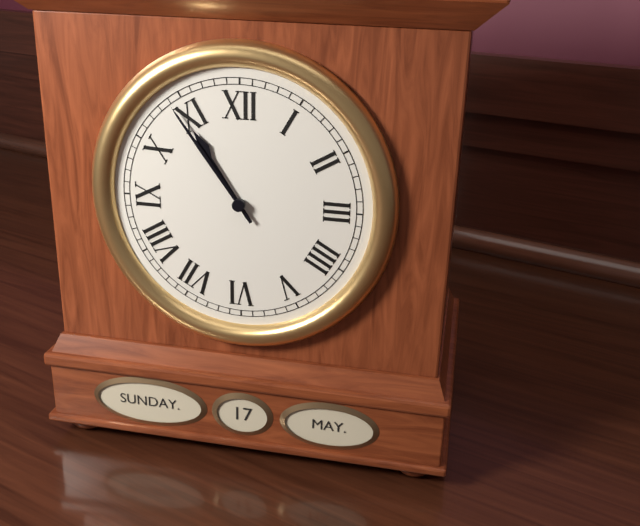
10:54
